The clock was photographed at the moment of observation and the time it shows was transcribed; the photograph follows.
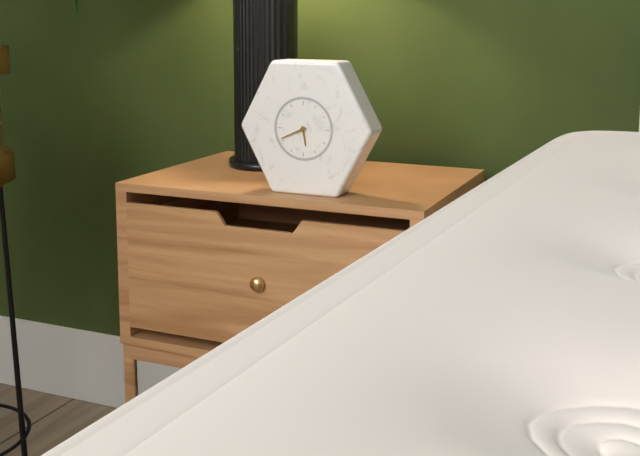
5:41
